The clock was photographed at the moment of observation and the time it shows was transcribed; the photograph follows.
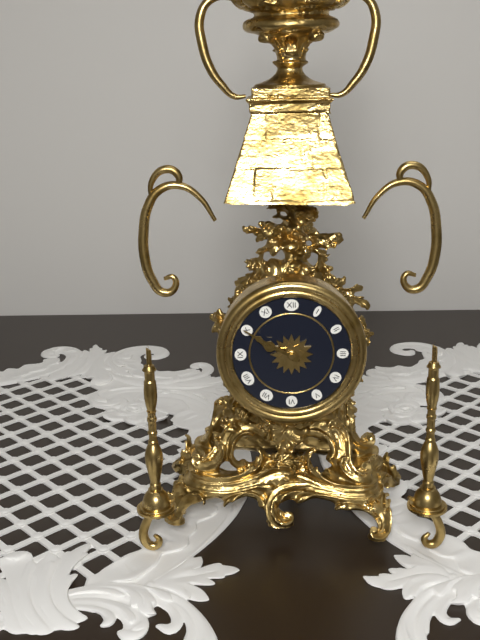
9:50
